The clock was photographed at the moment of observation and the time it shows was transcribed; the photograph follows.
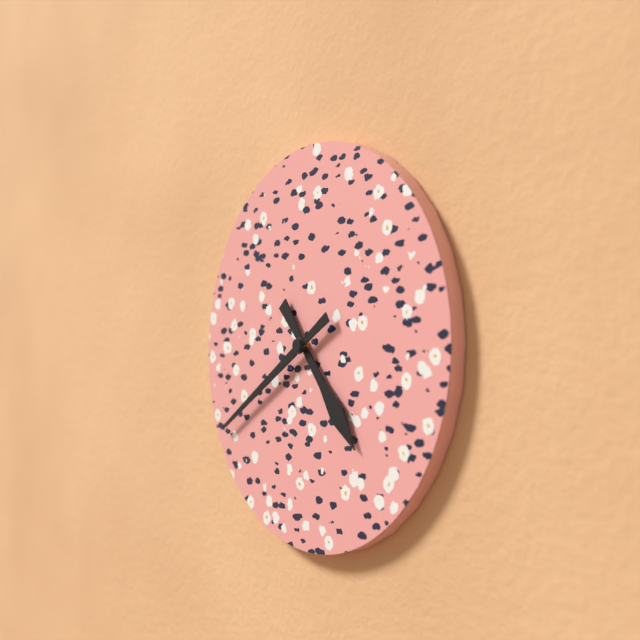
4:40
